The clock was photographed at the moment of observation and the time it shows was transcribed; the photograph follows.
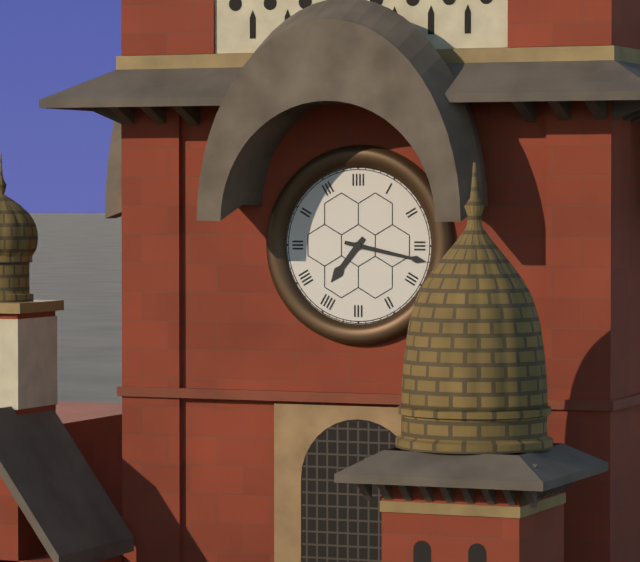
7:17
